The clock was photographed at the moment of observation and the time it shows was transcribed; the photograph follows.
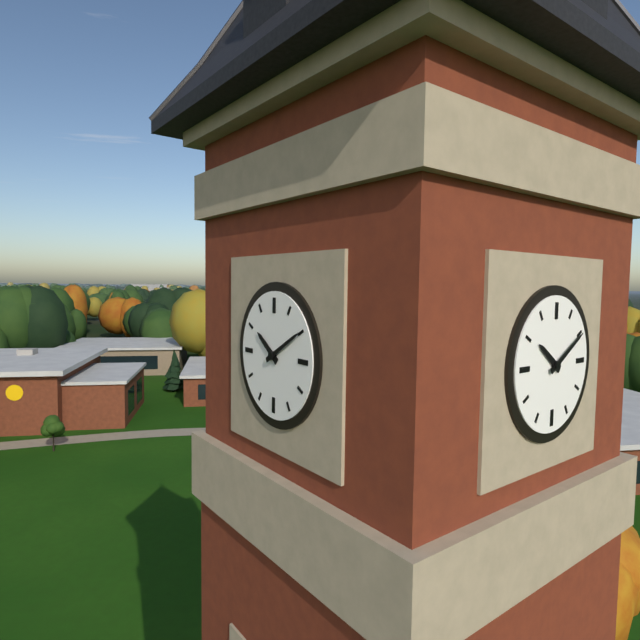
10:10
